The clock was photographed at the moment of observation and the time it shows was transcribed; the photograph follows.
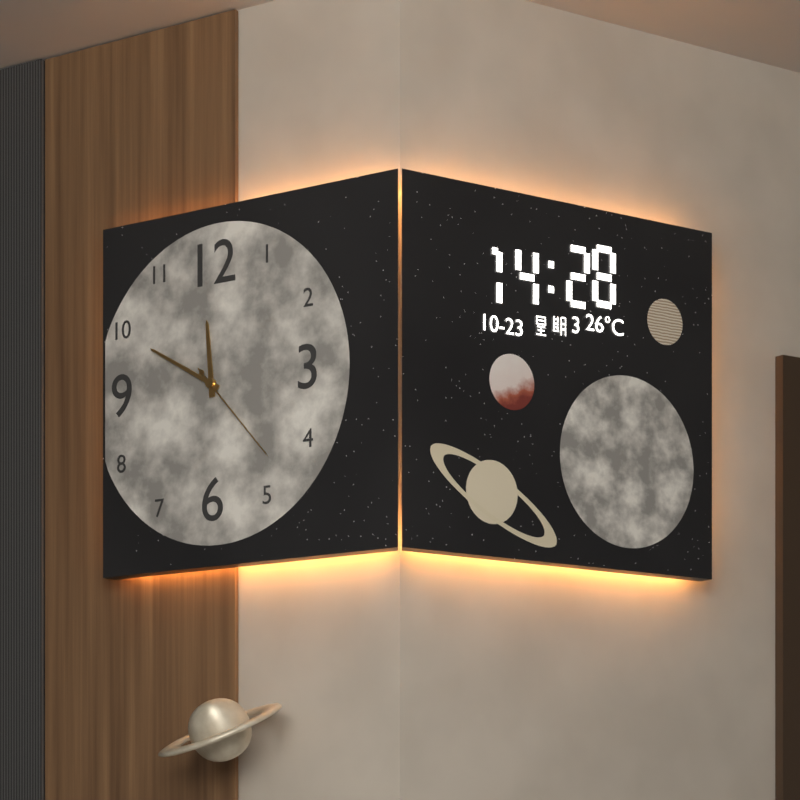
11:50:23
